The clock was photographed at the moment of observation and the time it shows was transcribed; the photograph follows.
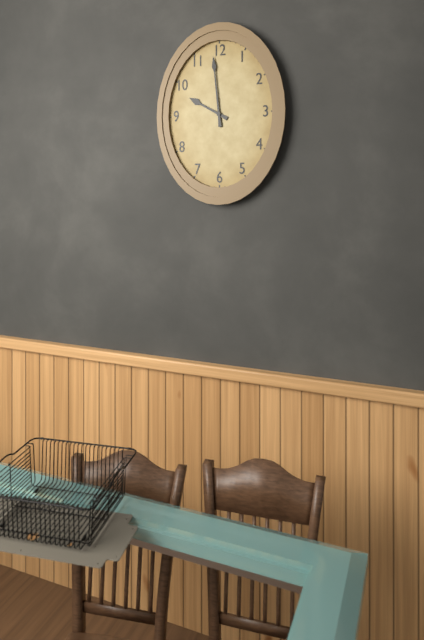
9:59
